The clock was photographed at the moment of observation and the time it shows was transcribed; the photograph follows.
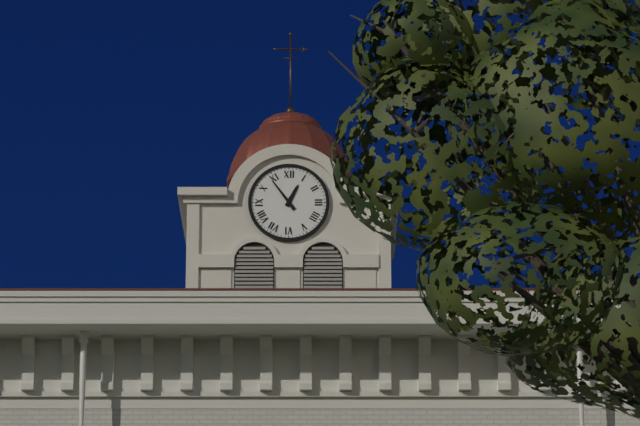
12:54
